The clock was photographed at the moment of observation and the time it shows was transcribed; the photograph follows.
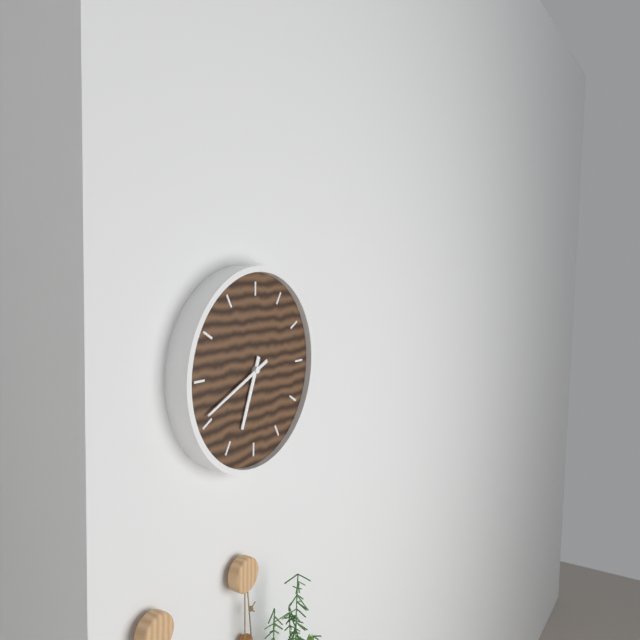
6:41
